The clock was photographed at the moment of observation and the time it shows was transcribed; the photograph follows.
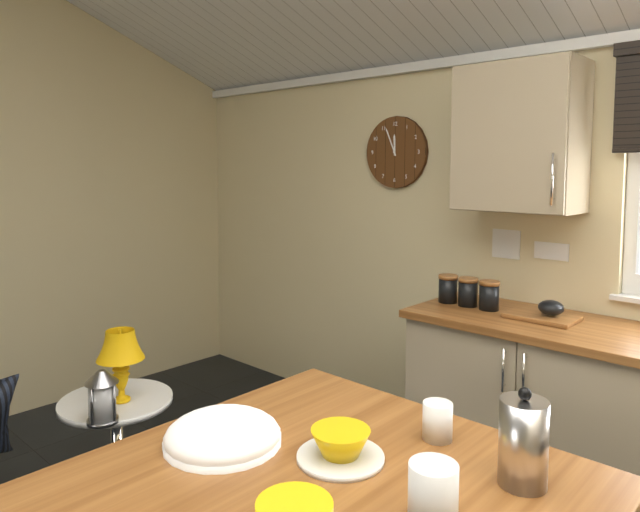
11:56
